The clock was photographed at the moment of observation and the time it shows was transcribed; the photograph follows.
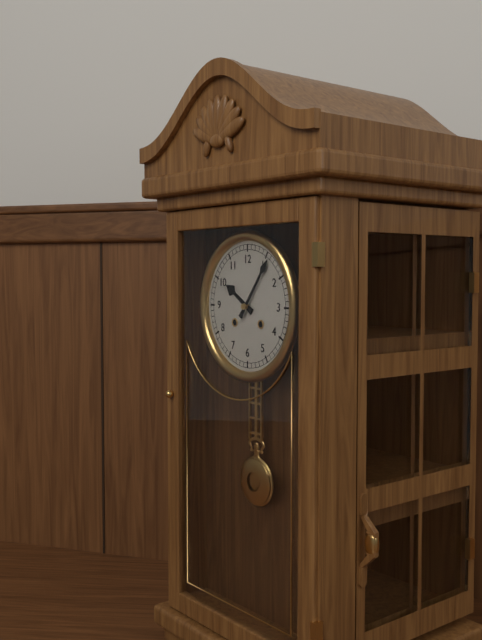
10:06
